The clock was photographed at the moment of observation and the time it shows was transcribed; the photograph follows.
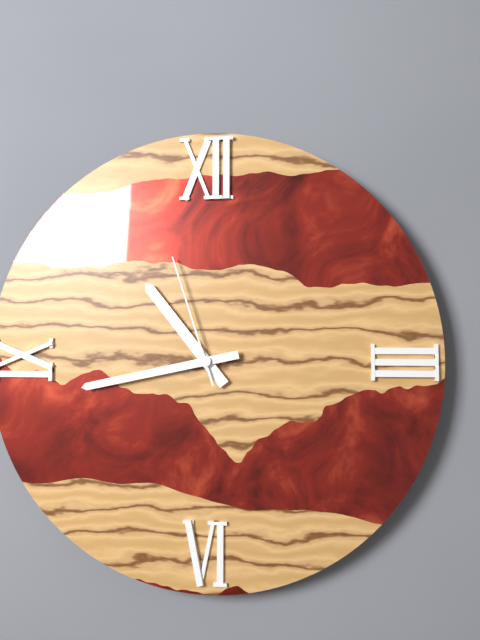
10:43:57
